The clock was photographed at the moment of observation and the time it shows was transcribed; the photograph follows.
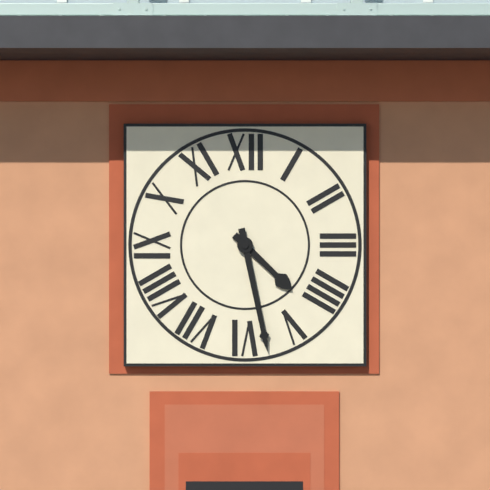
4:28
